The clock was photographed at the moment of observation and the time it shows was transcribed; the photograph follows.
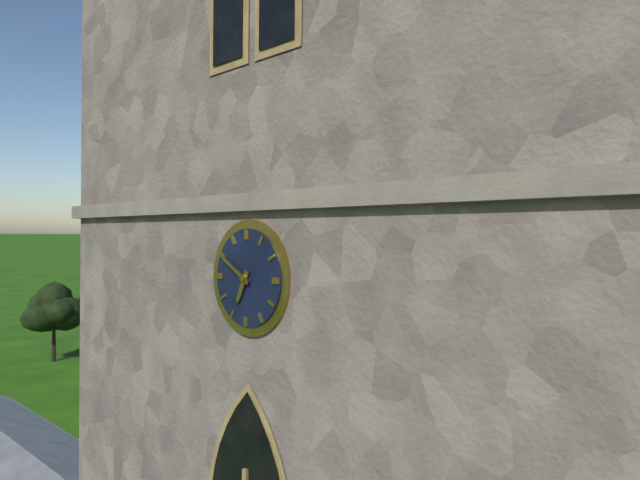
6:50
